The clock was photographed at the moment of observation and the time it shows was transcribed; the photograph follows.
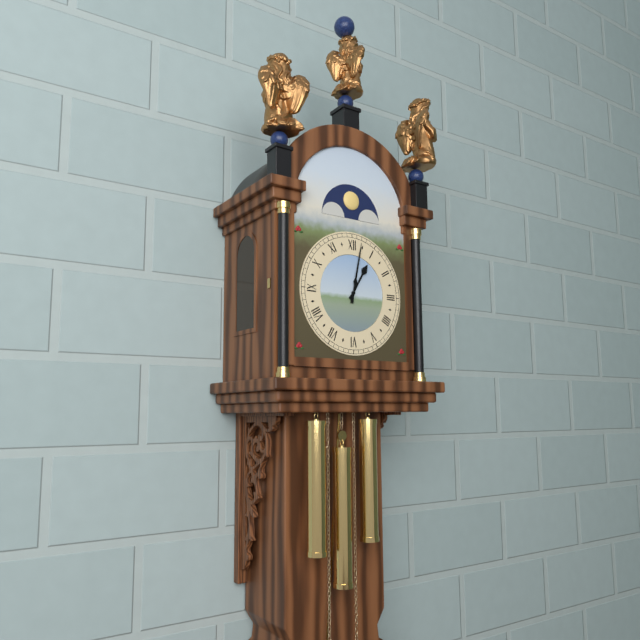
1:02
